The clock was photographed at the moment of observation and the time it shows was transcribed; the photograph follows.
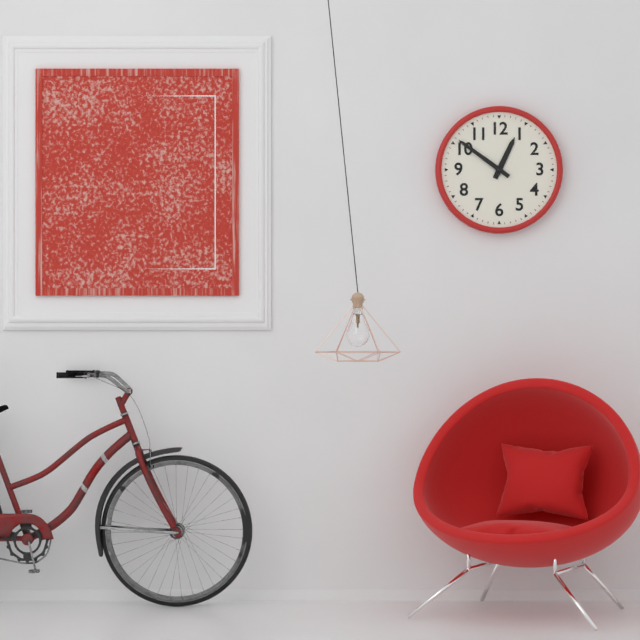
12:51
